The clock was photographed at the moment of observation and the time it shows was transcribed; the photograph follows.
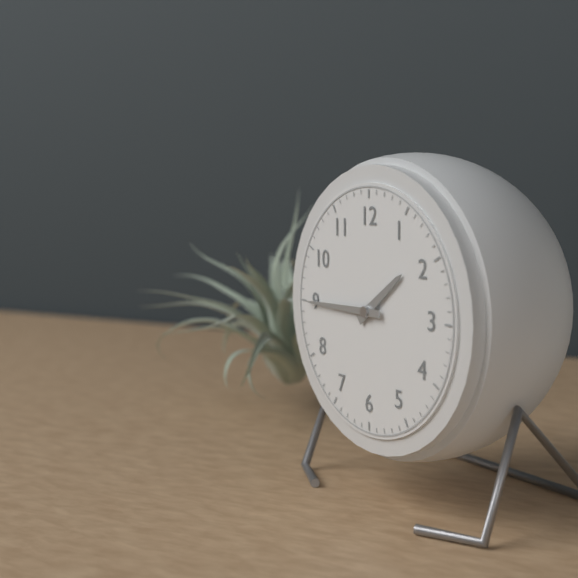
1:45
